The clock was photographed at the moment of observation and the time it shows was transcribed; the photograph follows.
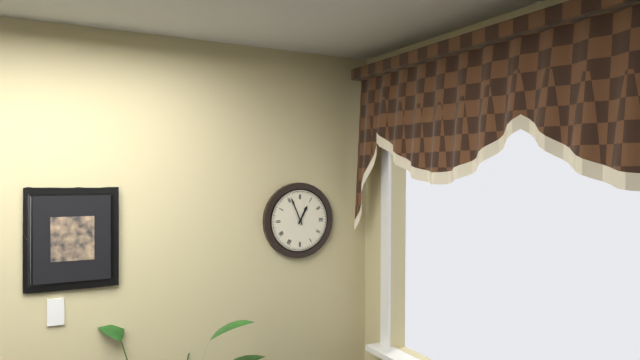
12:56
